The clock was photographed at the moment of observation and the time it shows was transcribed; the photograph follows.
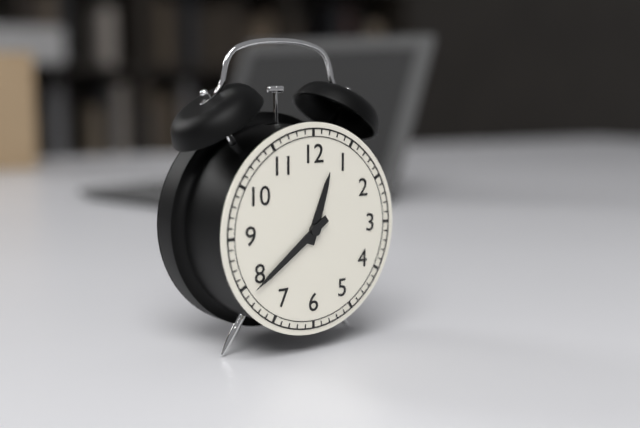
12:39
